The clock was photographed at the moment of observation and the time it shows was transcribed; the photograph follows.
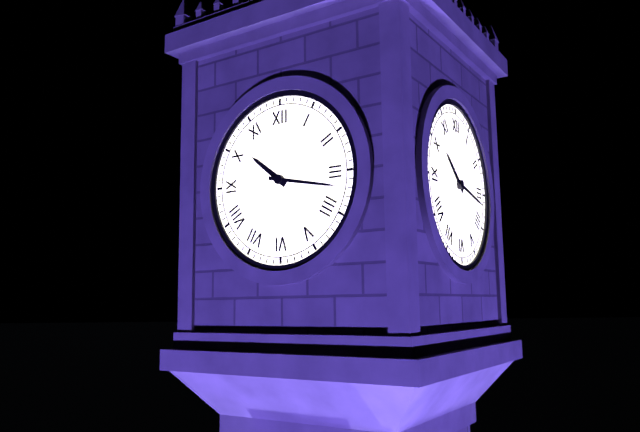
10:17
